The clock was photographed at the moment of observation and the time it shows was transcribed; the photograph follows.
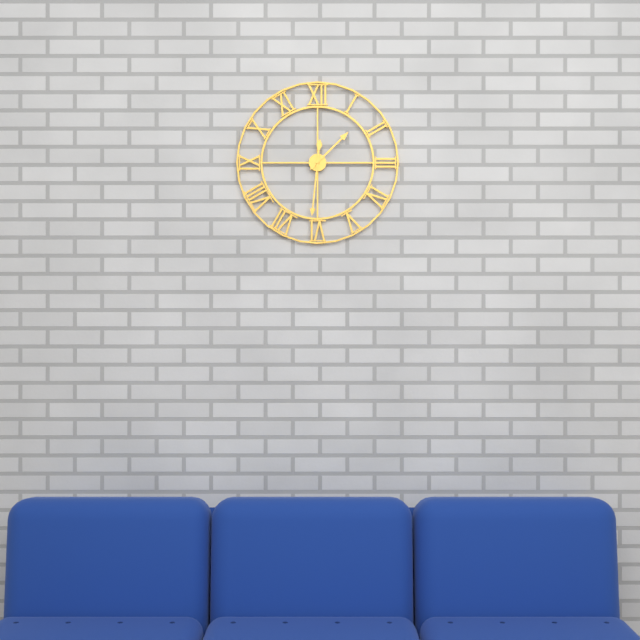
1:31
